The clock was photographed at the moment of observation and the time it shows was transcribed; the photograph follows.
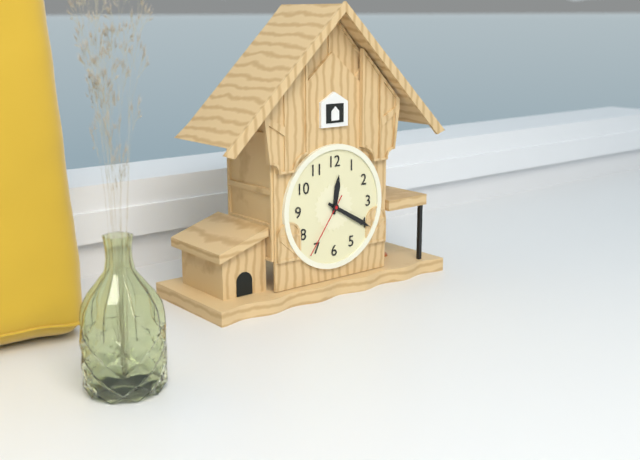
12:20:36
